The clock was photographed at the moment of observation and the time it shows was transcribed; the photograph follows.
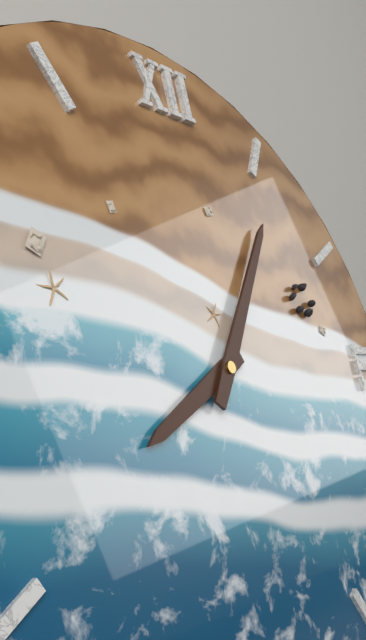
8:06
